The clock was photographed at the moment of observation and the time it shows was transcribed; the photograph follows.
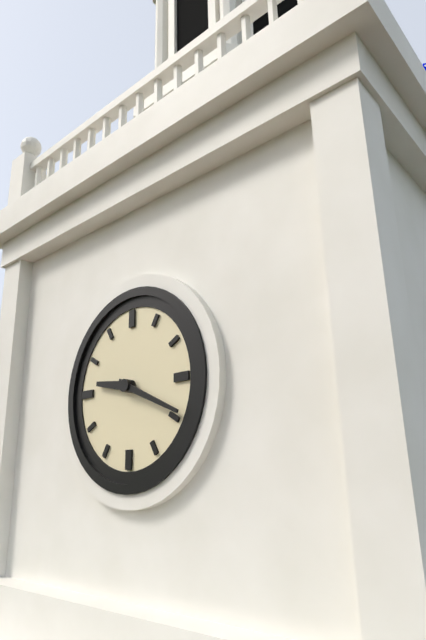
9:19
